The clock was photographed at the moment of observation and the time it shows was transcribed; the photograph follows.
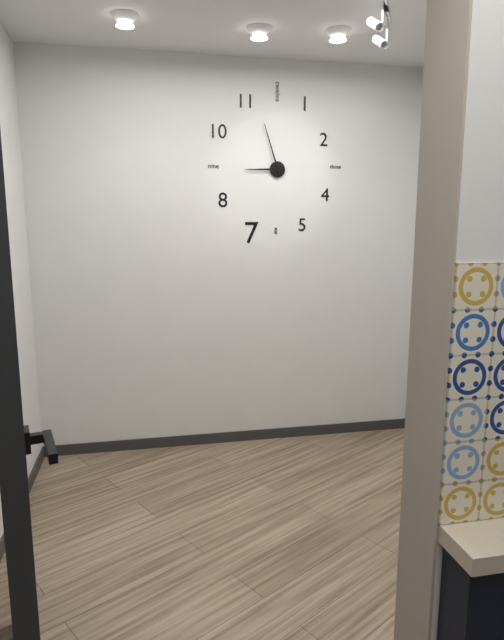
8:57
